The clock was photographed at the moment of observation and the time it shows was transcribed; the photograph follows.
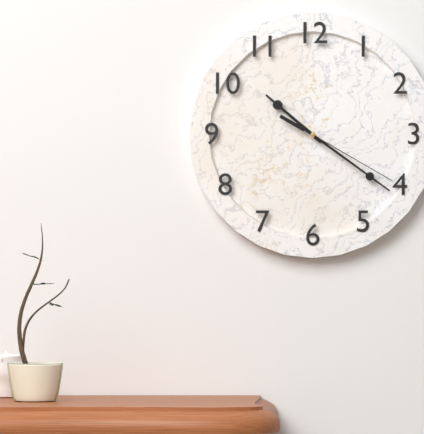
10:21:20
